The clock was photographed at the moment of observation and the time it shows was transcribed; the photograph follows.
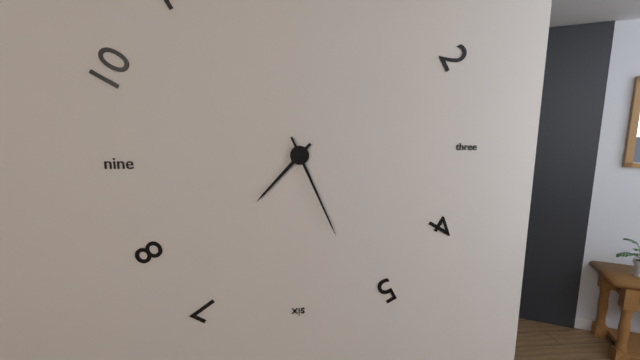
7:26
